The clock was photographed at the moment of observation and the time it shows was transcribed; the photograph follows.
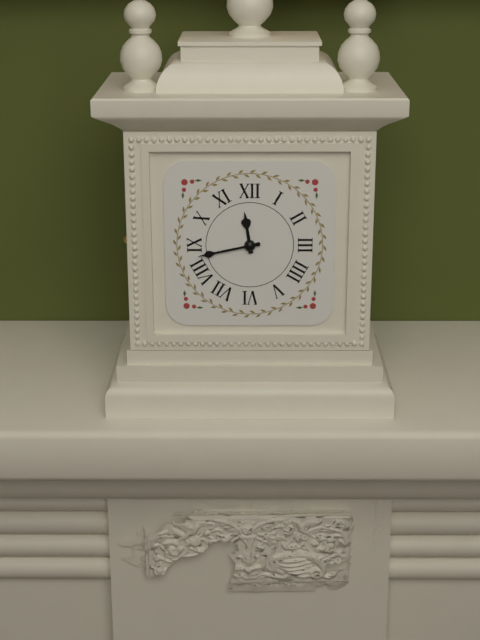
11:43
